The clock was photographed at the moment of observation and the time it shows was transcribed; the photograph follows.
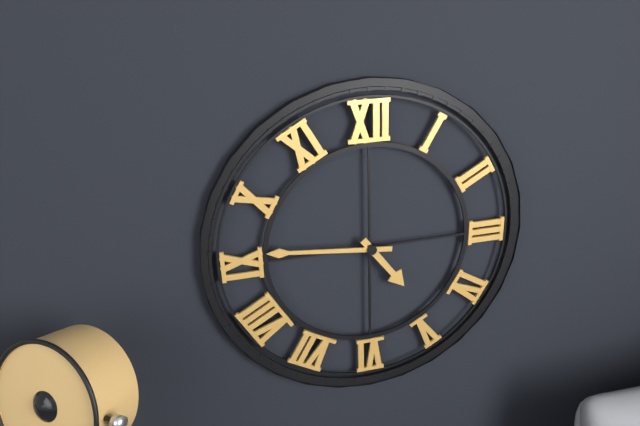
4:46
